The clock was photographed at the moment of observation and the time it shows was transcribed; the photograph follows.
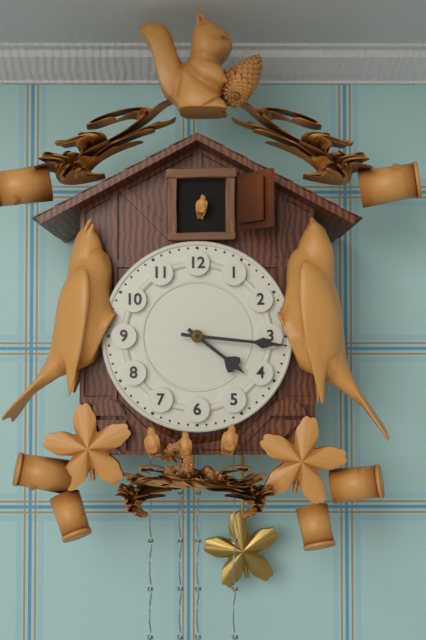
4:16
